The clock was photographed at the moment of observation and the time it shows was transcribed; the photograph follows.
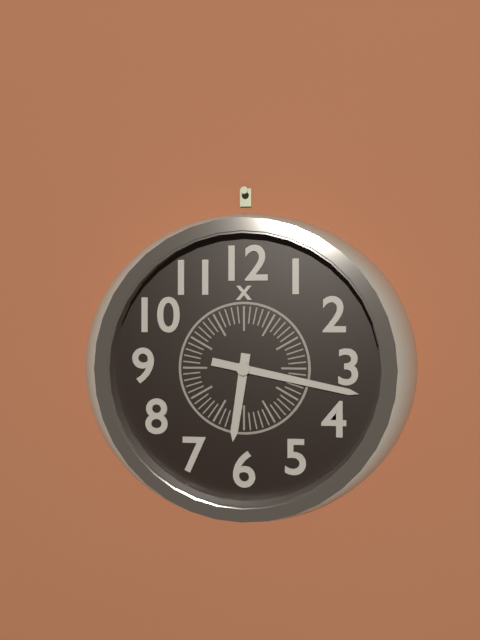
6:17
